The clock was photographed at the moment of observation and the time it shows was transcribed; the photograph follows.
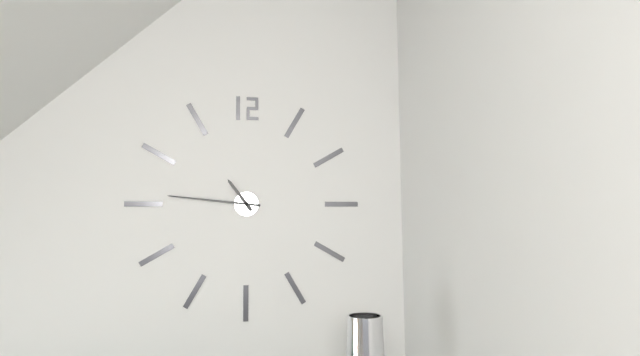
10:46
